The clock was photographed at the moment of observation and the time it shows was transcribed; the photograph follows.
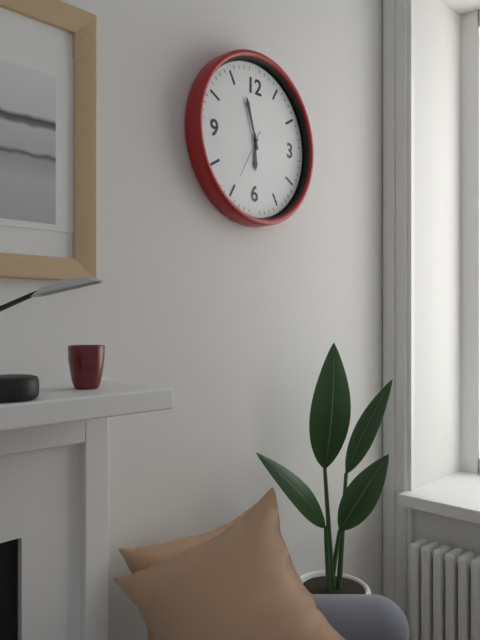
5:57
